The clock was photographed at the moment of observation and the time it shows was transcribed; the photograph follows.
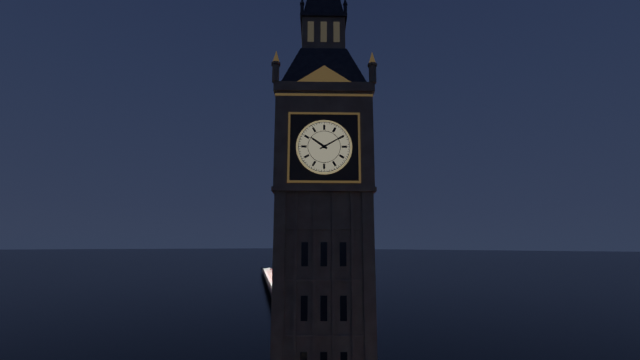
10:10
